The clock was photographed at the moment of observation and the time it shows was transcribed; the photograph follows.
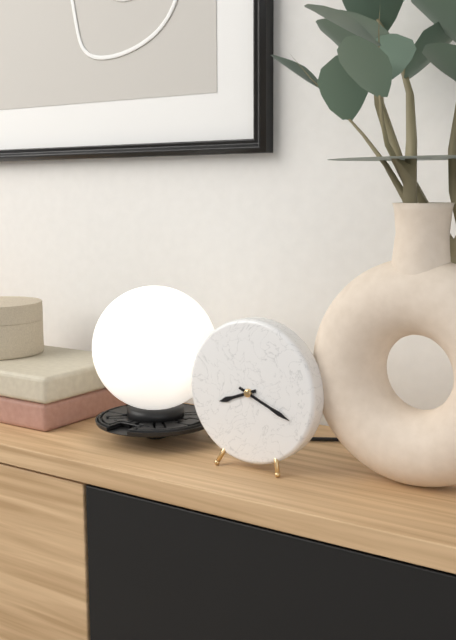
8:19
